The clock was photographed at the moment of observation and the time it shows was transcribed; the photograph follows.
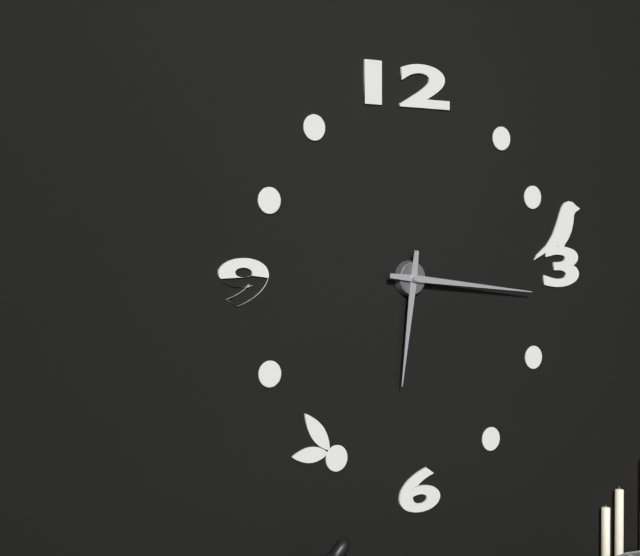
6:16
